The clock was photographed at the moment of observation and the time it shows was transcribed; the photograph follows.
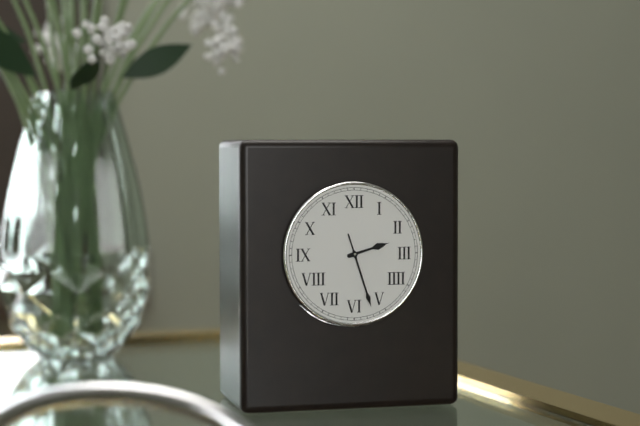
2:27
